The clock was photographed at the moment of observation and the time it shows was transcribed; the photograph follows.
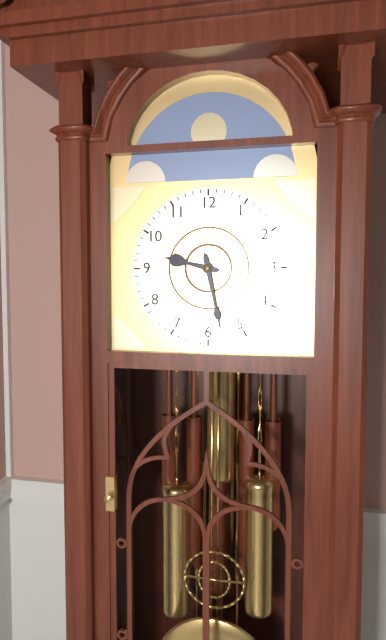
9:28
